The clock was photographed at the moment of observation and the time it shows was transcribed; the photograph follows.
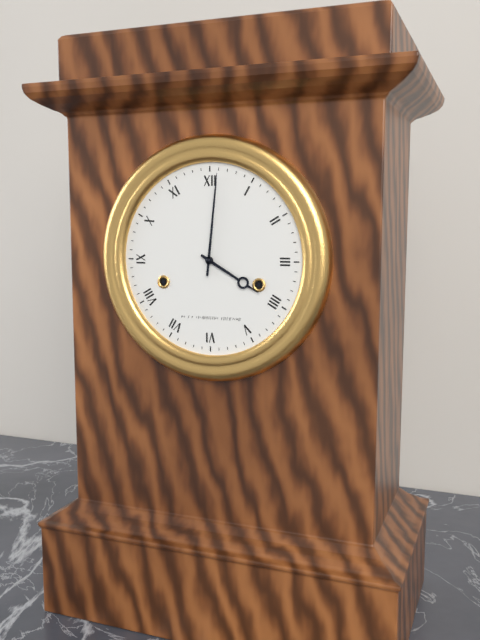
4:01
